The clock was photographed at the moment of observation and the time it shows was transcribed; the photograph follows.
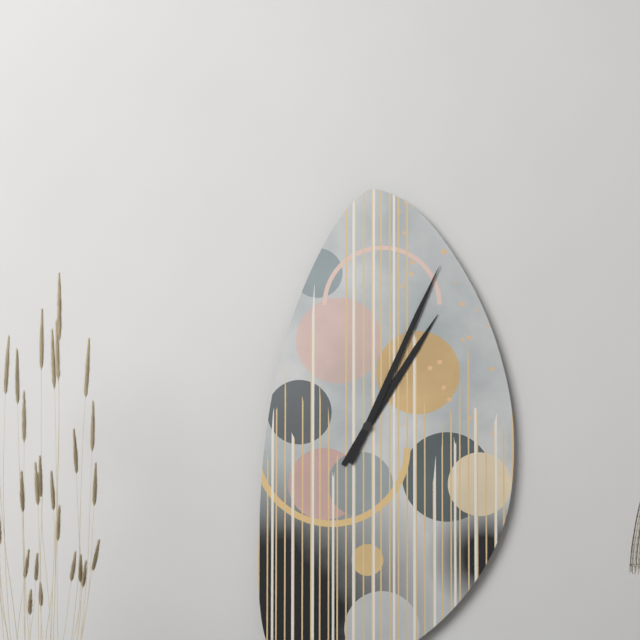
1:04
